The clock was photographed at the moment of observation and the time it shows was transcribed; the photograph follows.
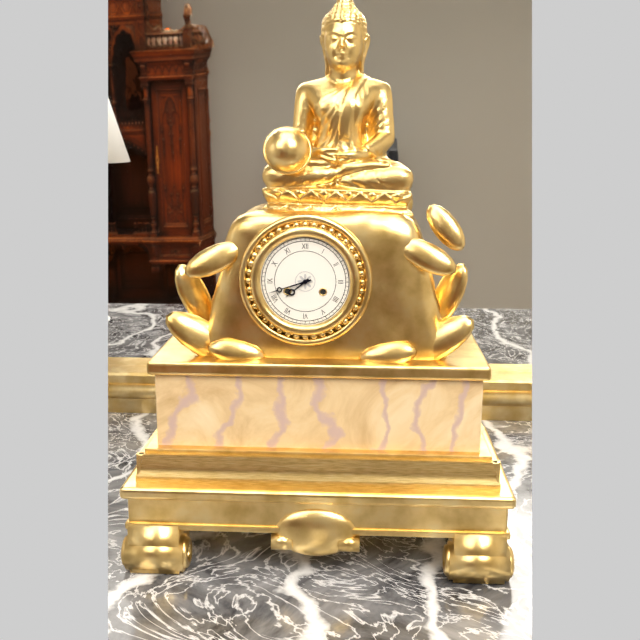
7:42
